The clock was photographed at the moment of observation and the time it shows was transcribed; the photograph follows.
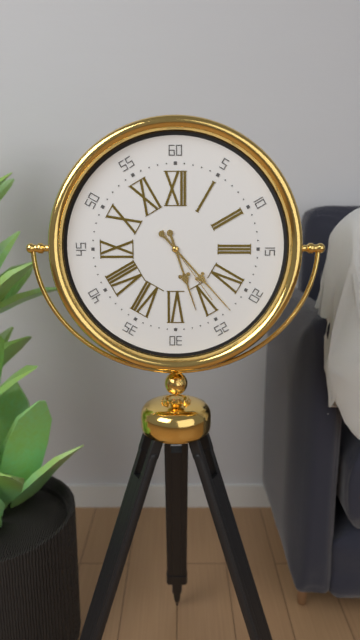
5:23:24
